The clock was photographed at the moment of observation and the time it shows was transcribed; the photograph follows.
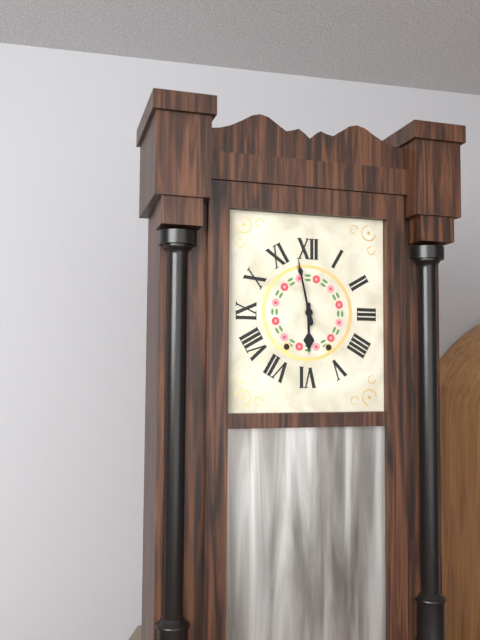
5:58
